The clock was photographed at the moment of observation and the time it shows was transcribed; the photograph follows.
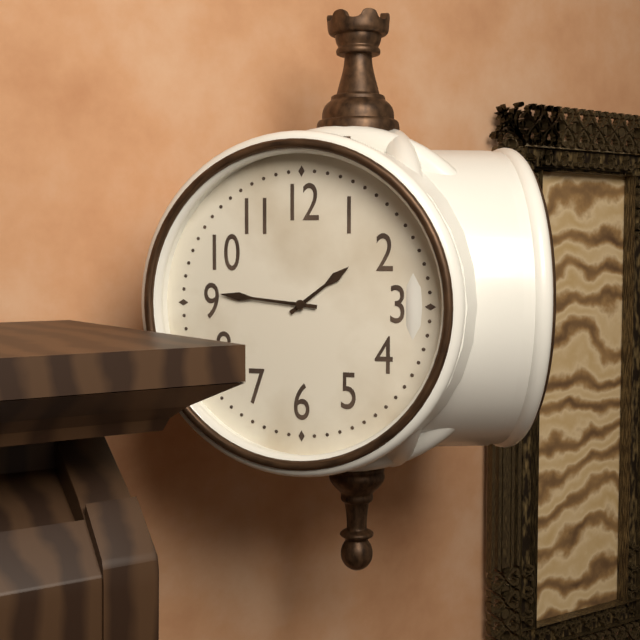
1:46
